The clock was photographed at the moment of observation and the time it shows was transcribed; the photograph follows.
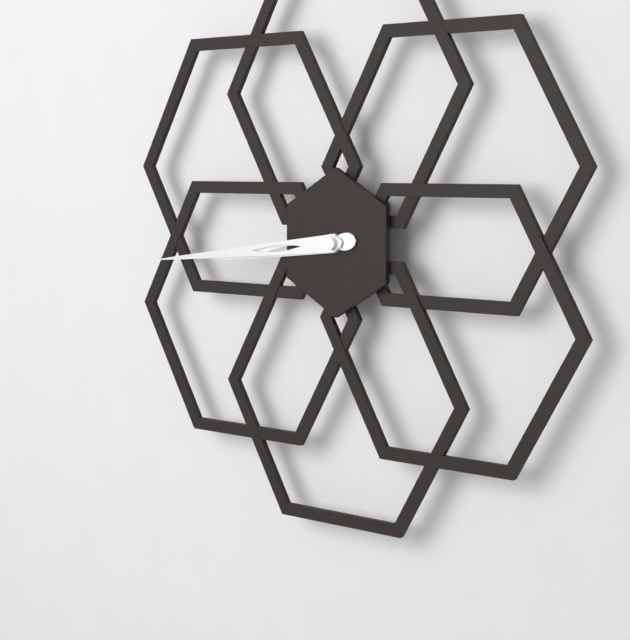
8:44
